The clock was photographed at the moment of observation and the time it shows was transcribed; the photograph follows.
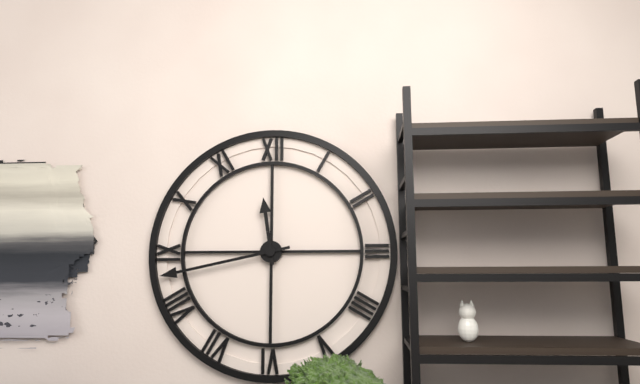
11:43
